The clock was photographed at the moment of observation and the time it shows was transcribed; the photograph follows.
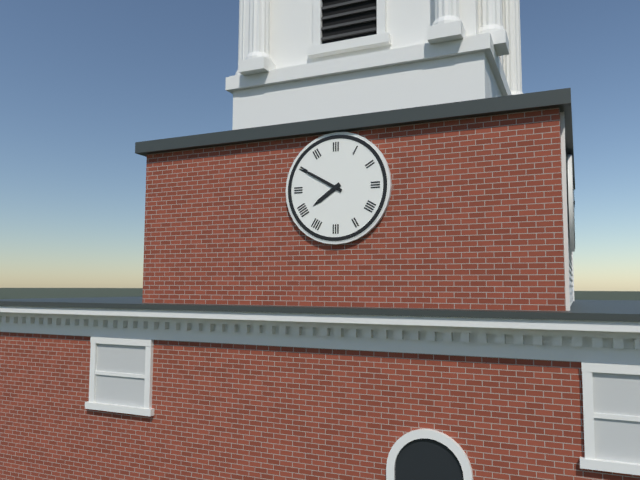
7:50
